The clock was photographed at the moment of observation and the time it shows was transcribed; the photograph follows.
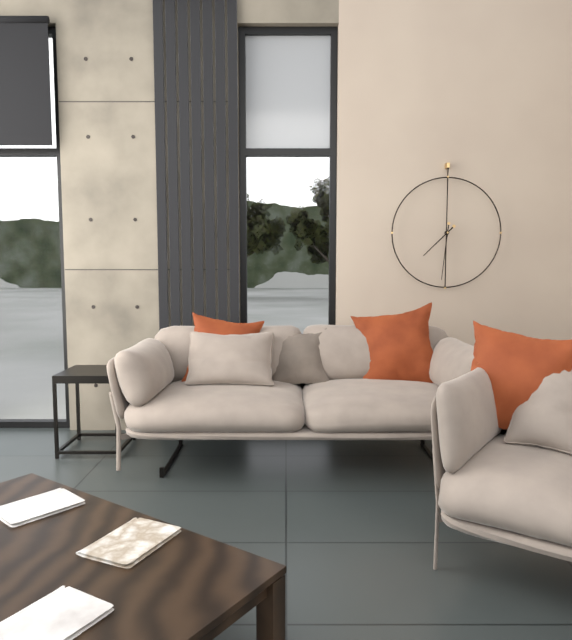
7:31
